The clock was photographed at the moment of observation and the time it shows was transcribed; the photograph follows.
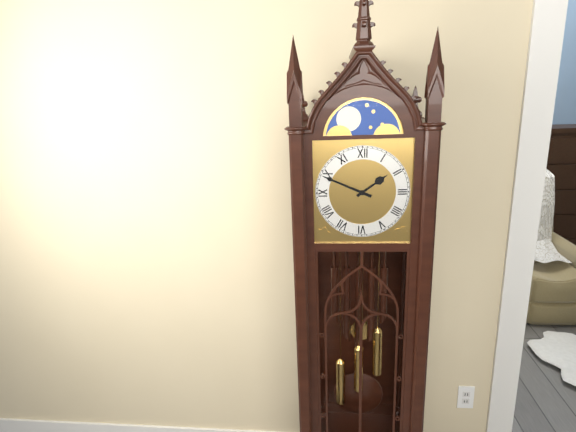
1:49
